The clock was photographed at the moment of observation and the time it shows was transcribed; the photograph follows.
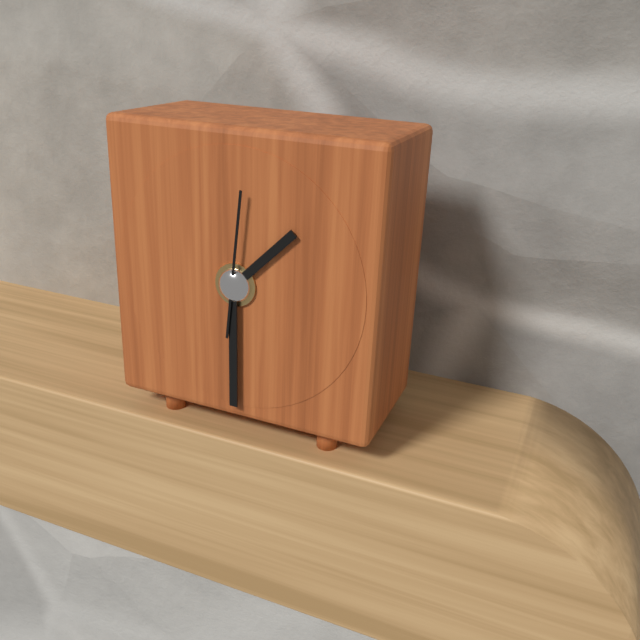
1:30:01
